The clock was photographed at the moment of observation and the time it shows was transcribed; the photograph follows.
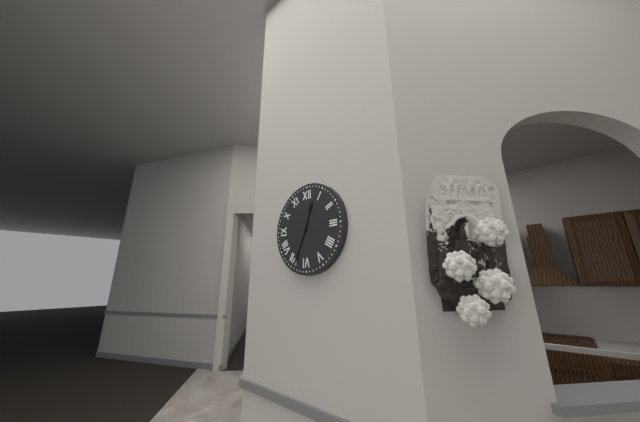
12:34
